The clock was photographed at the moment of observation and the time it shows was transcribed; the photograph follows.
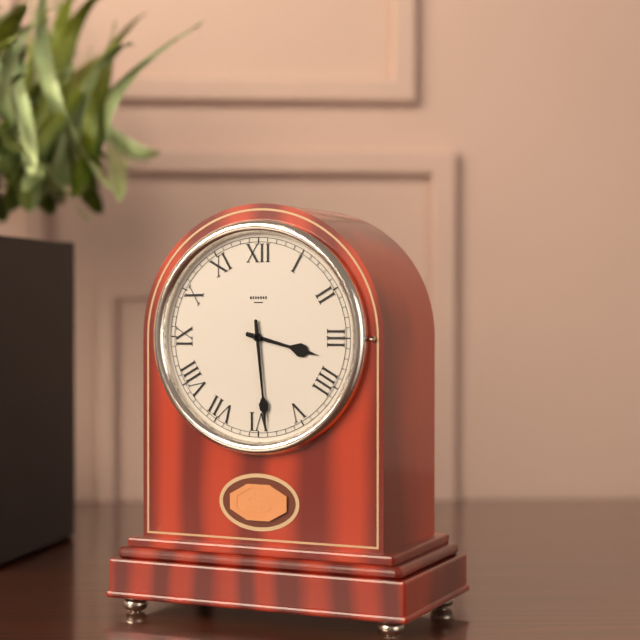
3:29
